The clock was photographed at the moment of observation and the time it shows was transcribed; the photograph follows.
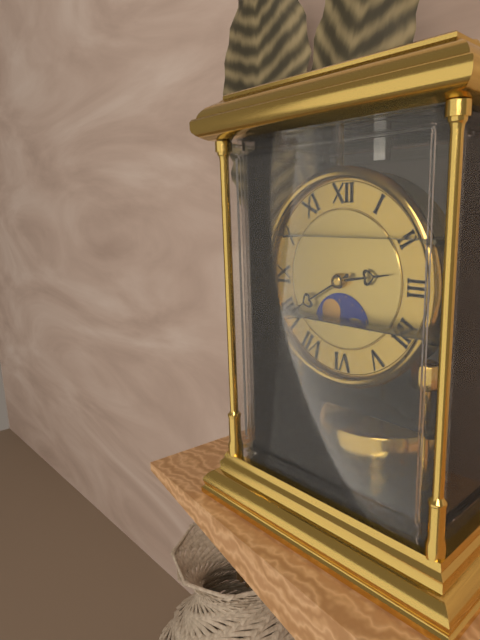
2:40
